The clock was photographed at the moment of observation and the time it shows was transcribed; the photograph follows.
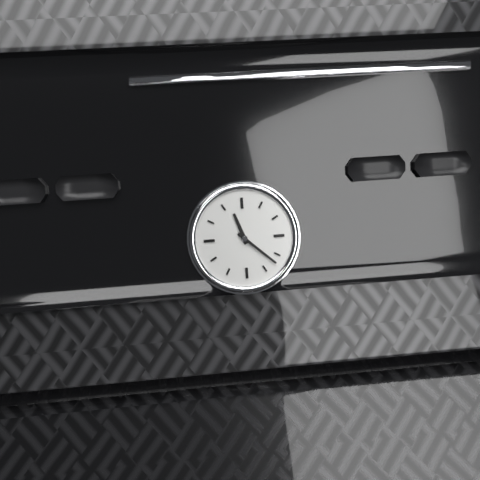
11:22
